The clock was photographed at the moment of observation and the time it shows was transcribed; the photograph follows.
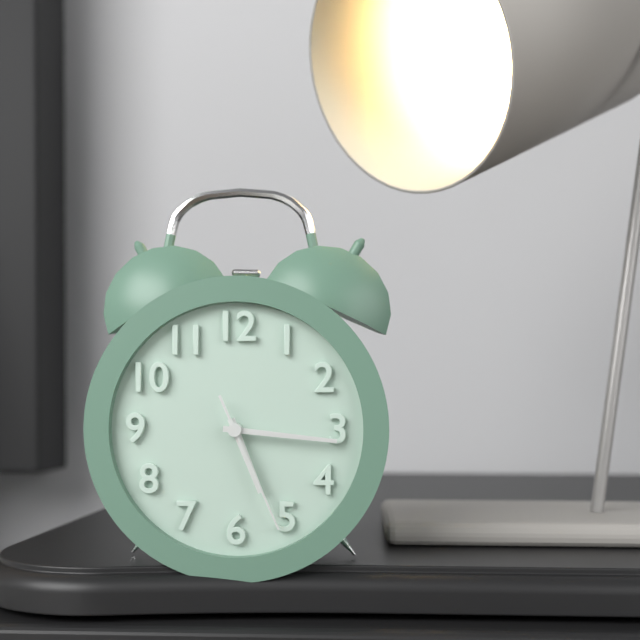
5:16:26
